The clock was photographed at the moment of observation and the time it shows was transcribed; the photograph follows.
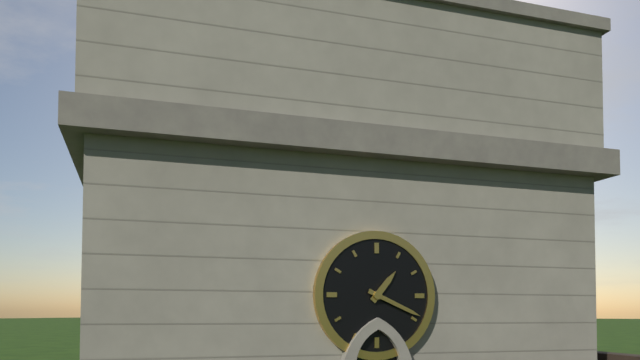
1:19
